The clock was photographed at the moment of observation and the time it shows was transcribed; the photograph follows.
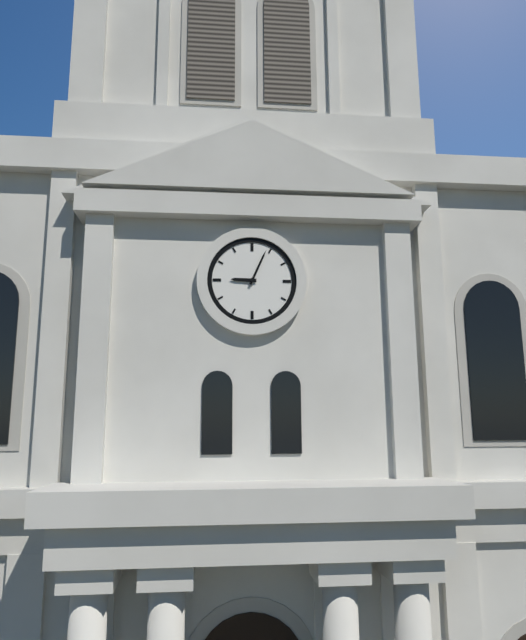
9:04
